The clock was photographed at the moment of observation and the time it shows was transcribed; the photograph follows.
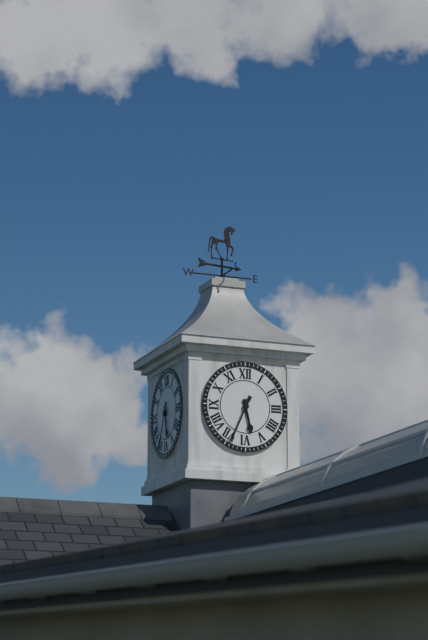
5:34
